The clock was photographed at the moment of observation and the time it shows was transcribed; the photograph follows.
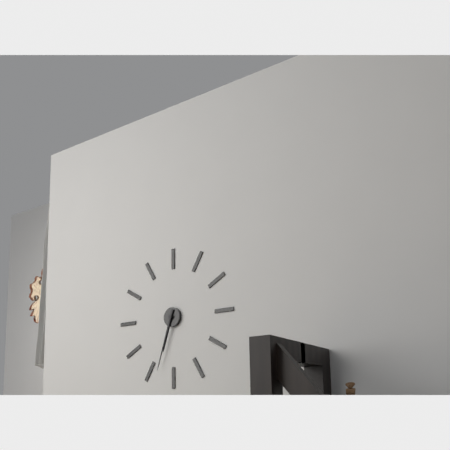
6:33
